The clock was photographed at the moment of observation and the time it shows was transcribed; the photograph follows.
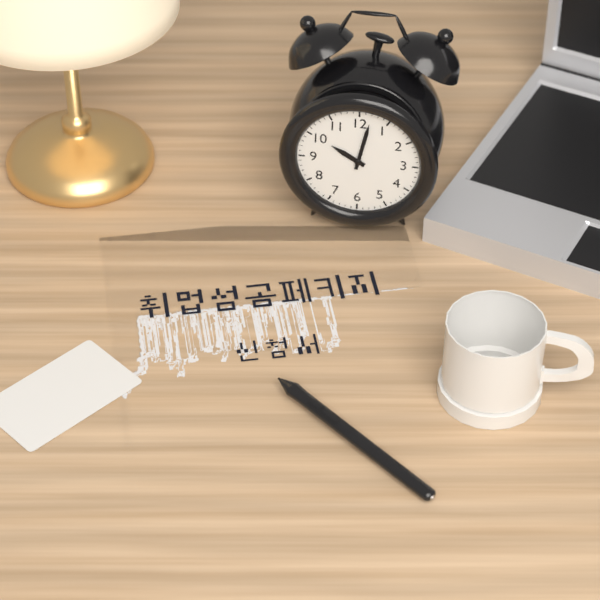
10:02
